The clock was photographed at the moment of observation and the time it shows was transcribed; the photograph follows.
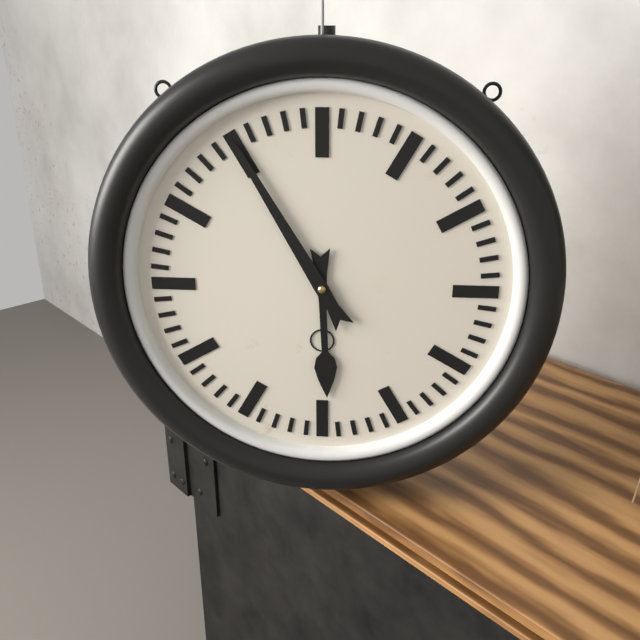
5:55
